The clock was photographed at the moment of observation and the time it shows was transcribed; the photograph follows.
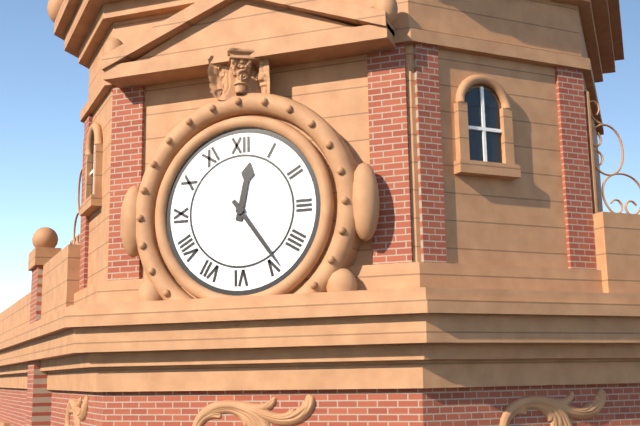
12:24
